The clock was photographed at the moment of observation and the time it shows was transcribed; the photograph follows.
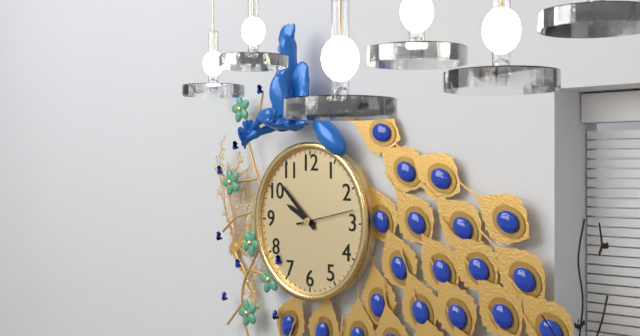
9:52:13
